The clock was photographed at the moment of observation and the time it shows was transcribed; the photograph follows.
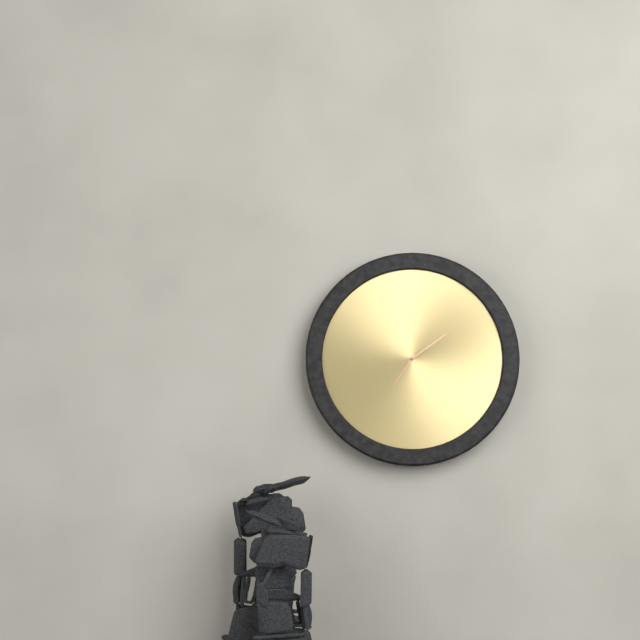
7:09
